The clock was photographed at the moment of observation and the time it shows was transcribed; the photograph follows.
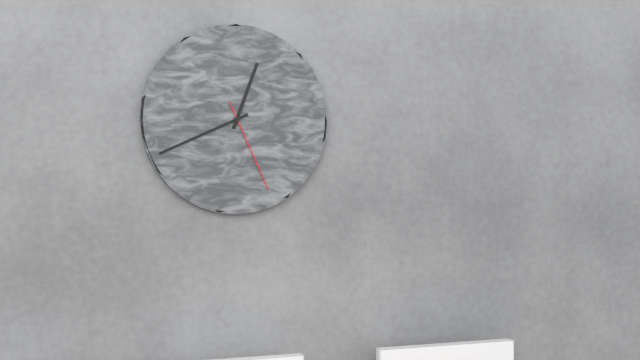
12:41:26
